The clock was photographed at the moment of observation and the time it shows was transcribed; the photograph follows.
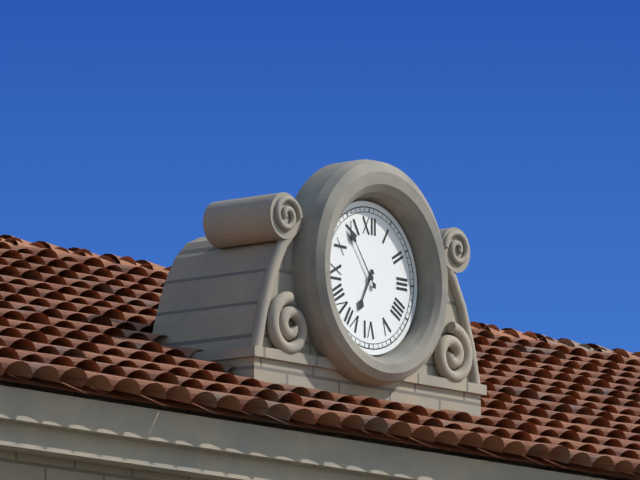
6:54
